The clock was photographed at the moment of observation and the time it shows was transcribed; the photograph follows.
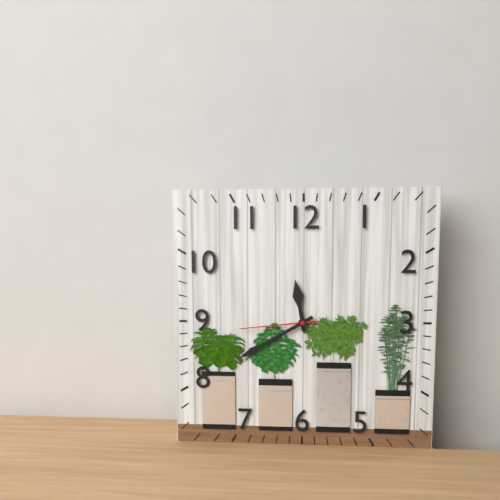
11:40:44
